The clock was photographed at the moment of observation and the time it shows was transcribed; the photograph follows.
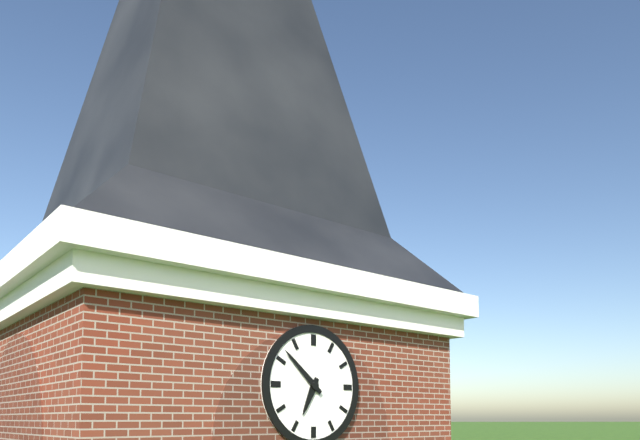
6:52
